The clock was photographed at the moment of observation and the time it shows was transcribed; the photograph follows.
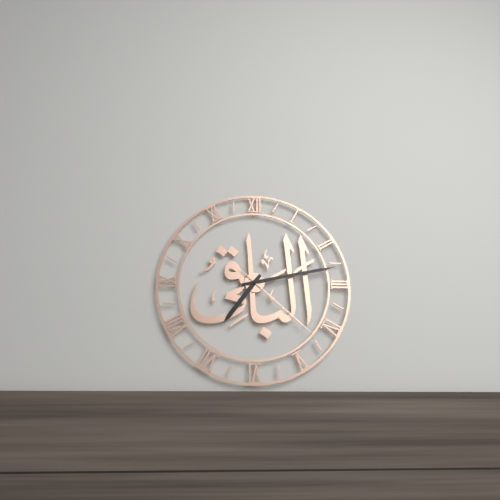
7:13:22
